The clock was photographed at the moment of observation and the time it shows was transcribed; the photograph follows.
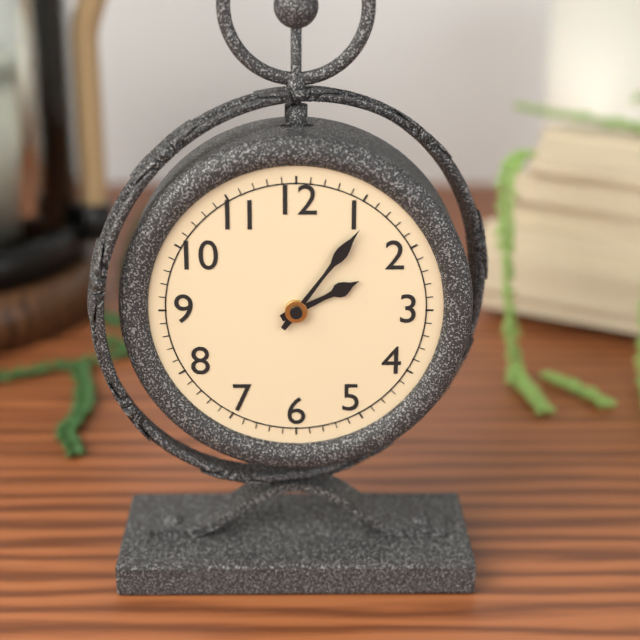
2:06
